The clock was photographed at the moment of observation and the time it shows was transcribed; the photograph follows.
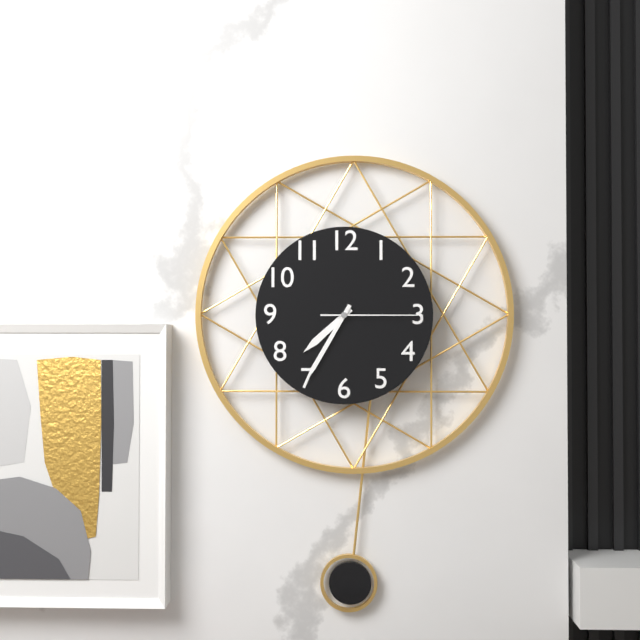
7:35:15
